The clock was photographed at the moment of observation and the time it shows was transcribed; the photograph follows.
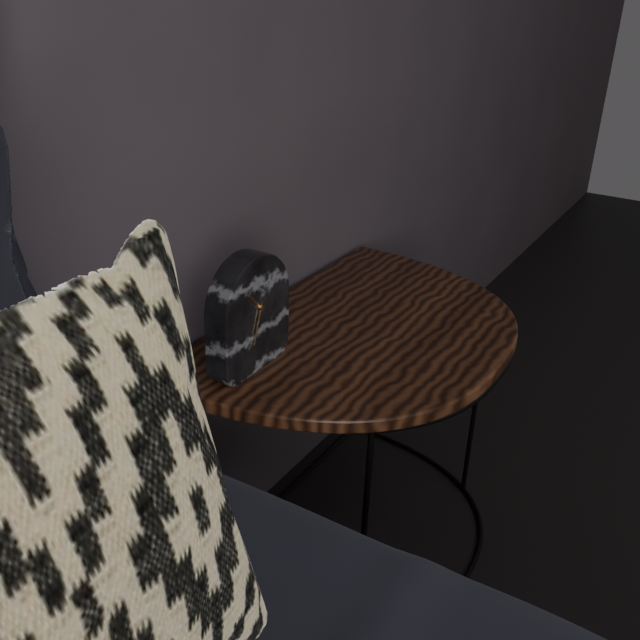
10:33
